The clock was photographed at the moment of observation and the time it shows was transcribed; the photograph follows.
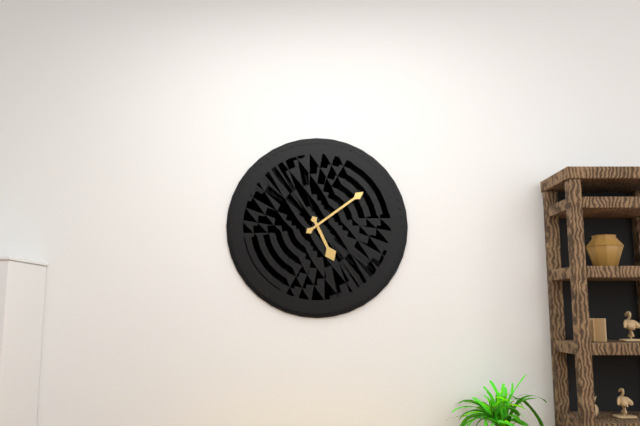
5:09
